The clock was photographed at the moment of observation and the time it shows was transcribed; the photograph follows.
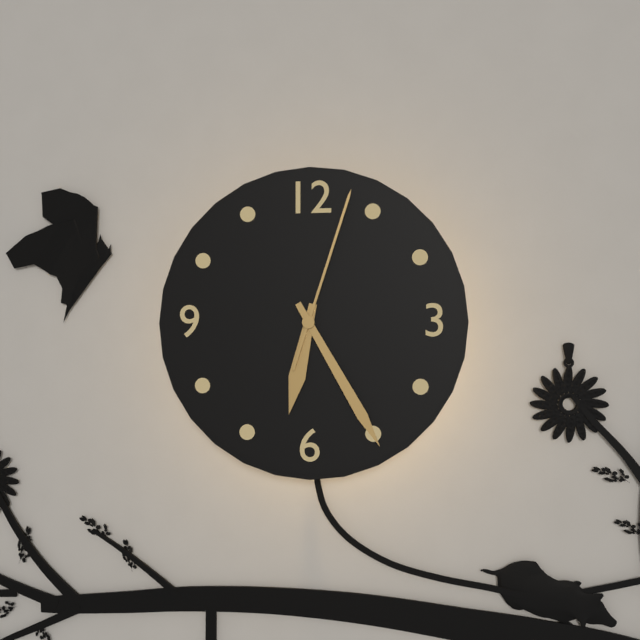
6:25:03
